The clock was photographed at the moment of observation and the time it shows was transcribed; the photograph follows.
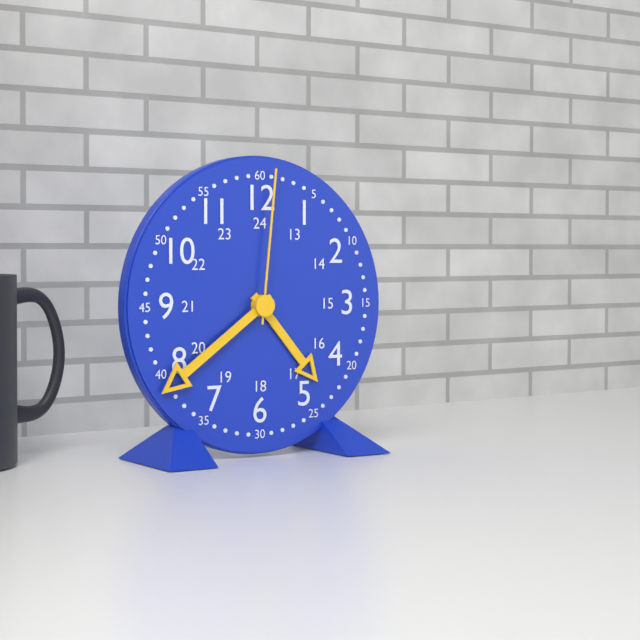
4:39:01
